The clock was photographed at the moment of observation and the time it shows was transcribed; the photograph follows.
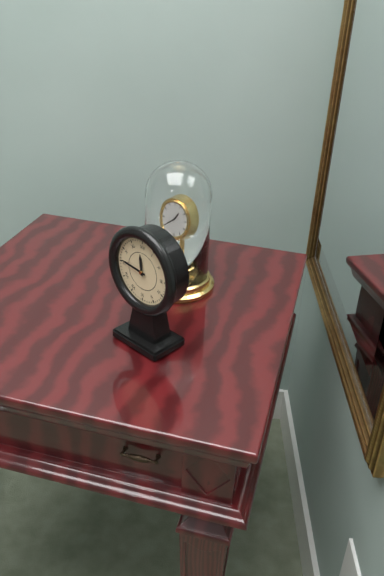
11:46
